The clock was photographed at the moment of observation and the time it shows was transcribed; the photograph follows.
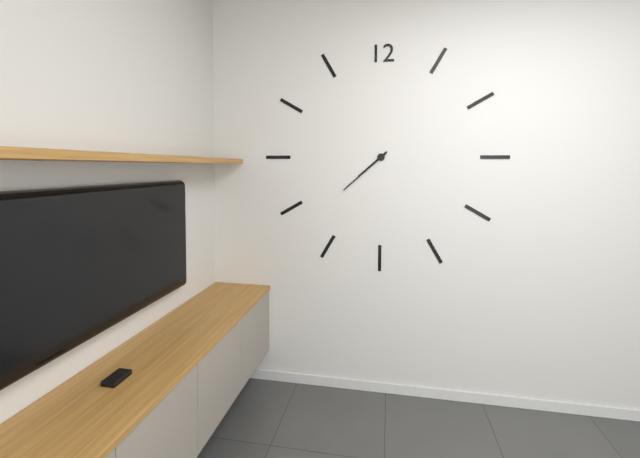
7:38
